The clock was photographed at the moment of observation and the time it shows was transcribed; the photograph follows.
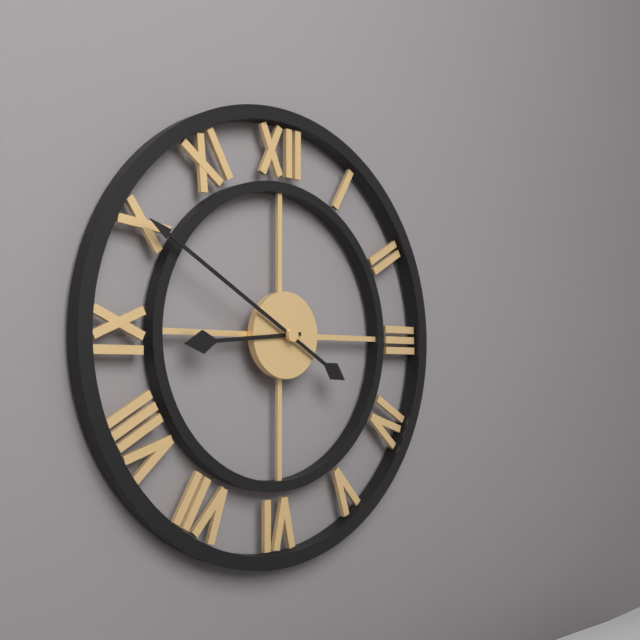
8:50
